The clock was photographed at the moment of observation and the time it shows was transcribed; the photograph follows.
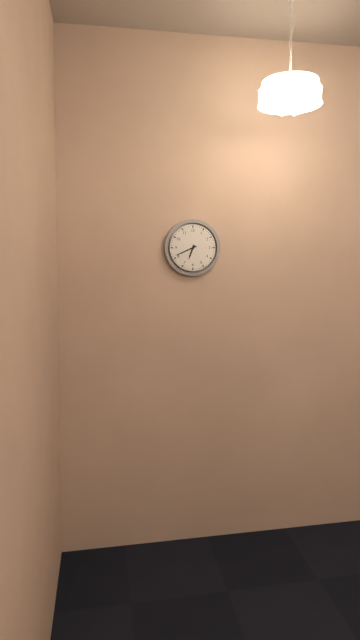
6:41
